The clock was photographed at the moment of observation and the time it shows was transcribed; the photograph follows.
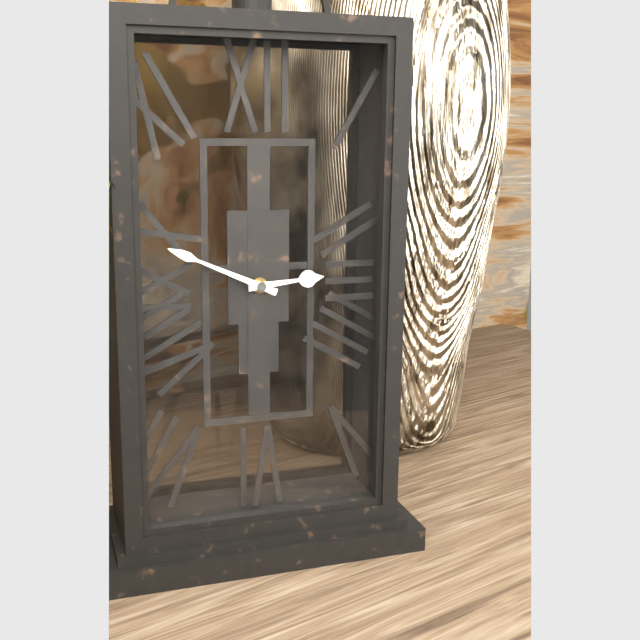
2:49
